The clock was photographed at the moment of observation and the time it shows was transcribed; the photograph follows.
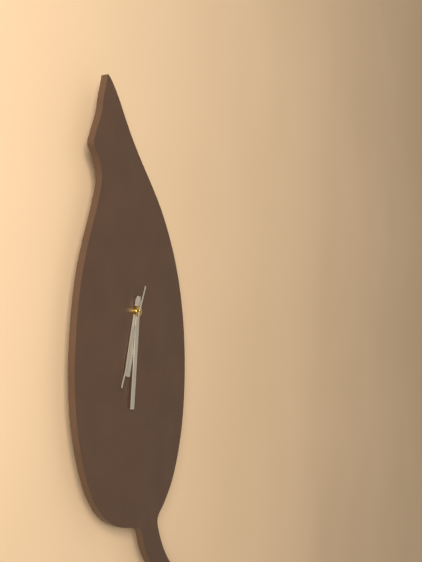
6:31:34
